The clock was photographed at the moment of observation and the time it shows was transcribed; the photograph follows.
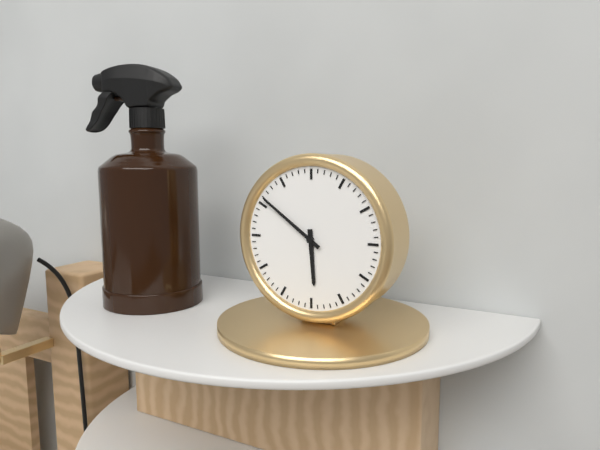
5:51
